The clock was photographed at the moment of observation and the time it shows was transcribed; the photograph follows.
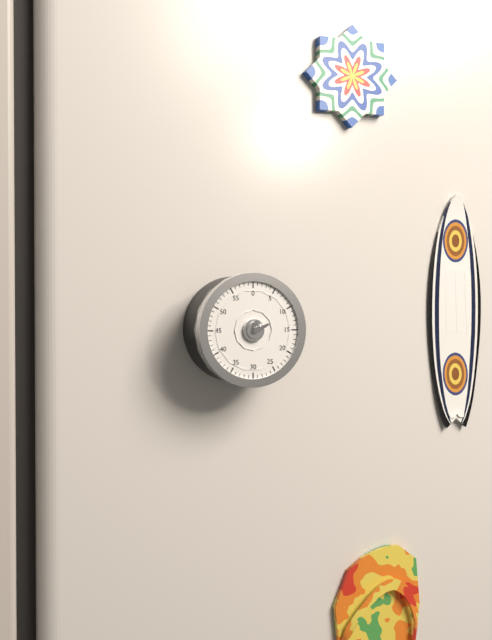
12:11
